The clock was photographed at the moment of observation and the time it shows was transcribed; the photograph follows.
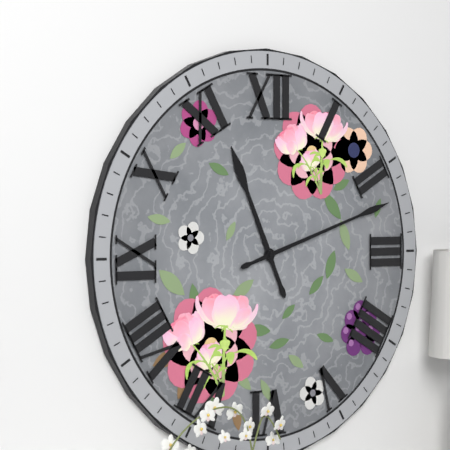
11:12
